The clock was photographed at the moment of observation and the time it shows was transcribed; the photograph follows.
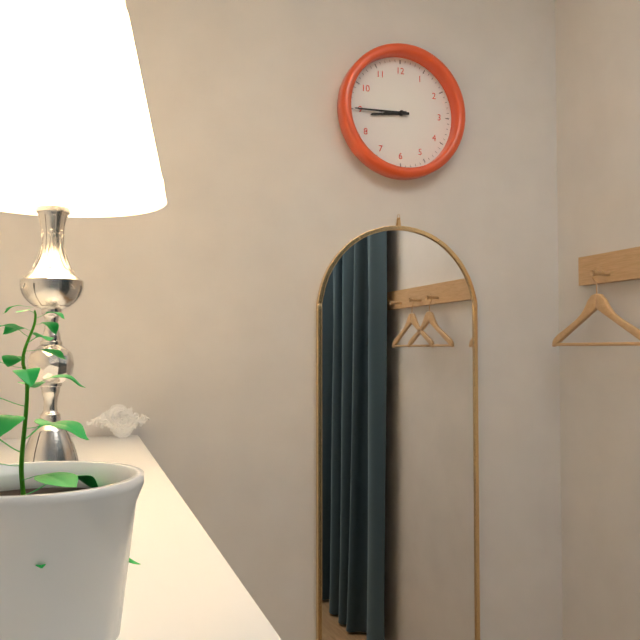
8:45
